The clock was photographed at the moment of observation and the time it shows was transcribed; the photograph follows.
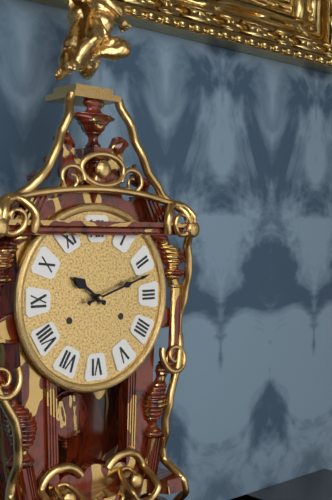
10:12
